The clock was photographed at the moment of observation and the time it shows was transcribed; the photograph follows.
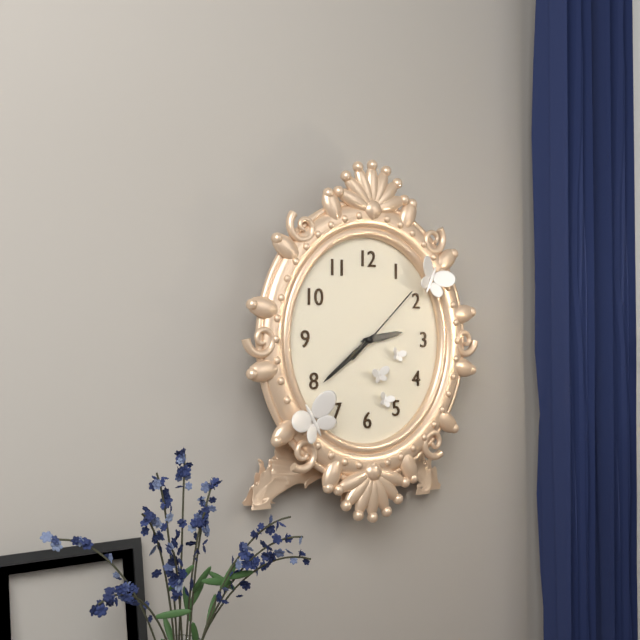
2:39:08
